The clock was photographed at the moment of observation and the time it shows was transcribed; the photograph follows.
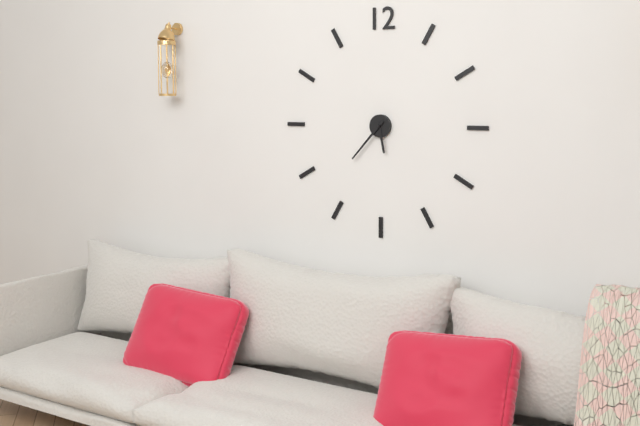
5:37
